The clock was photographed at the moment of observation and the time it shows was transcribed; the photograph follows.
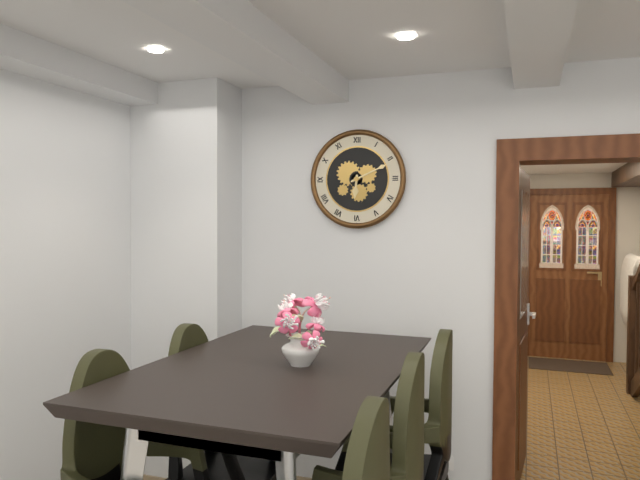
6:11
